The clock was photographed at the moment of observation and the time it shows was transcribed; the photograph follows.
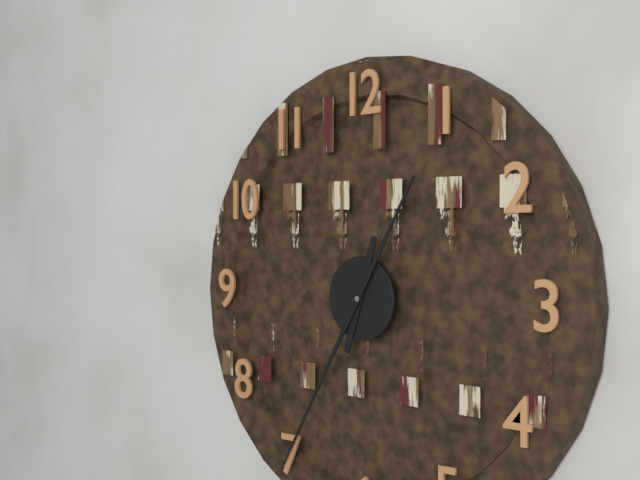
12:35
